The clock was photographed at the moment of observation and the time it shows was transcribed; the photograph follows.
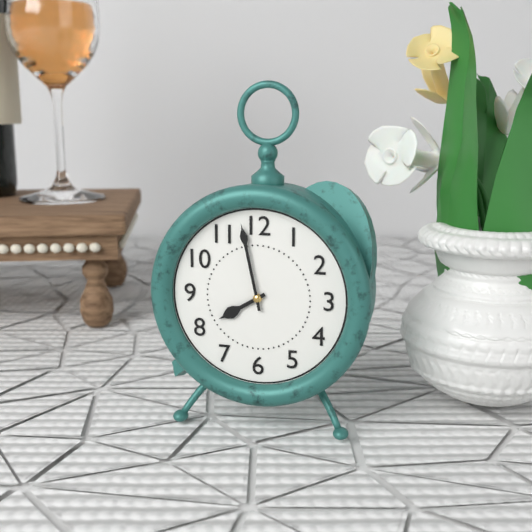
7:58
